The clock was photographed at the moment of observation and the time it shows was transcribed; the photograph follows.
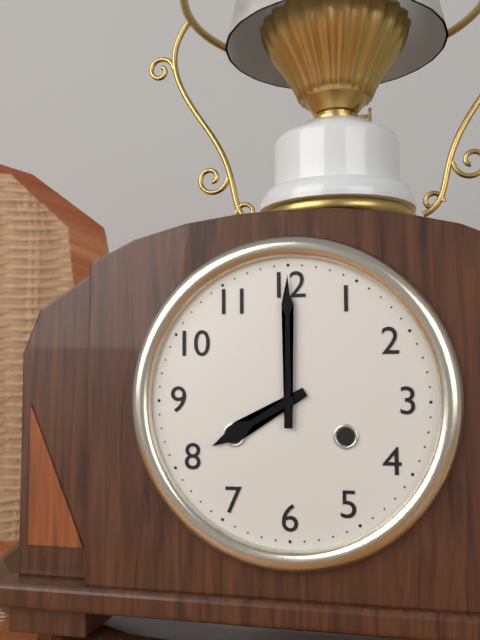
8:00
